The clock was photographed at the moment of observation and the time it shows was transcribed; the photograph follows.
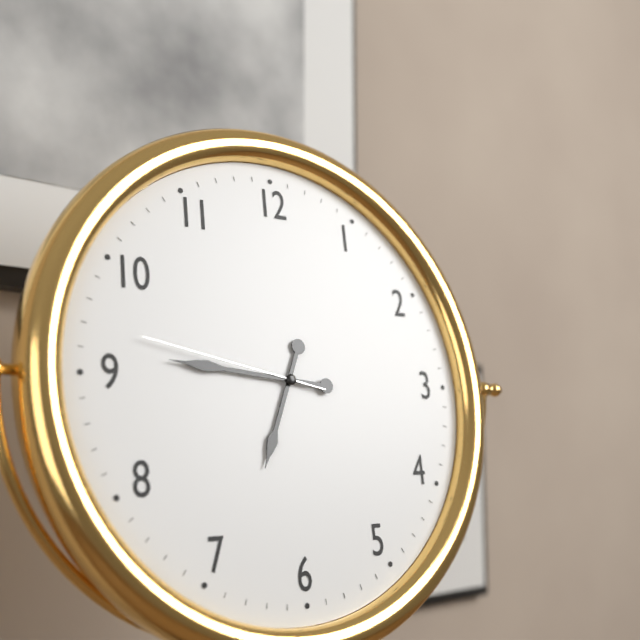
6:46:47
